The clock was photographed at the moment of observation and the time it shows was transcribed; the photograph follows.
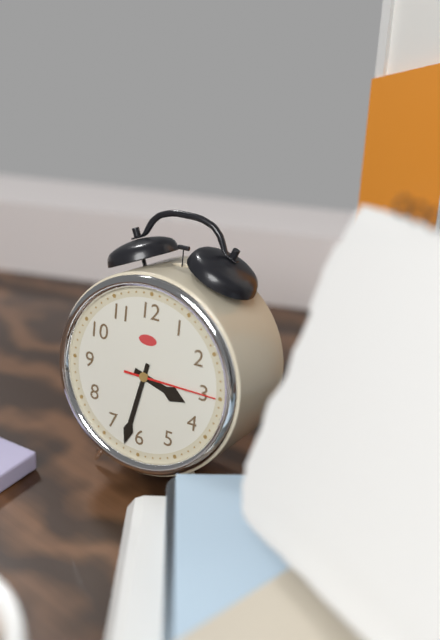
3:32:15
